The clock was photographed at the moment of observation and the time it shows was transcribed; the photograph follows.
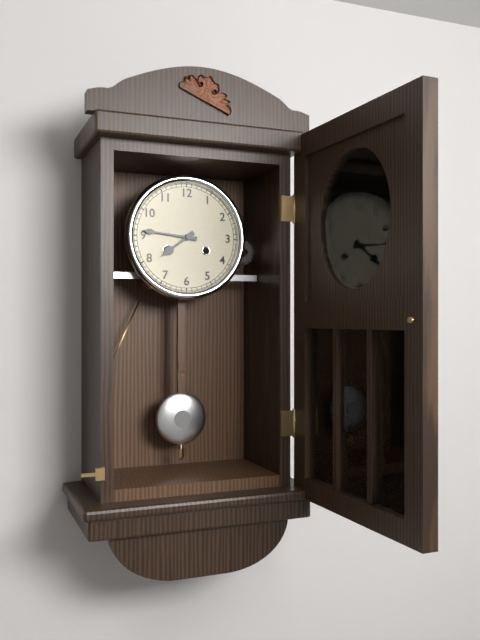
7:46
